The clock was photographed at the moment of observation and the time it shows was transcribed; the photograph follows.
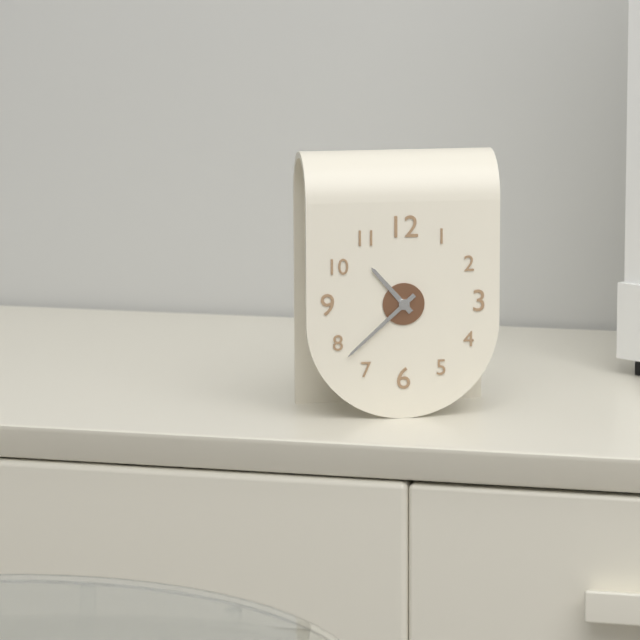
10:38
